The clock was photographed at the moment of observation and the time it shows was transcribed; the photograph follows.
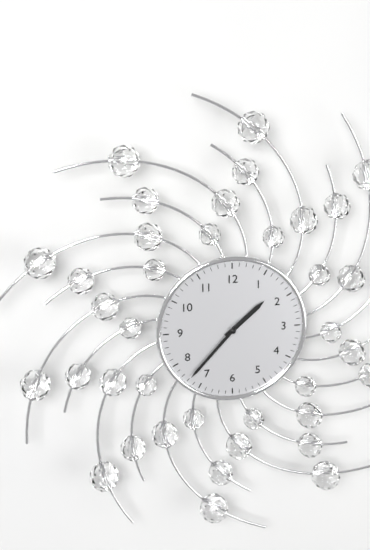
1:37
